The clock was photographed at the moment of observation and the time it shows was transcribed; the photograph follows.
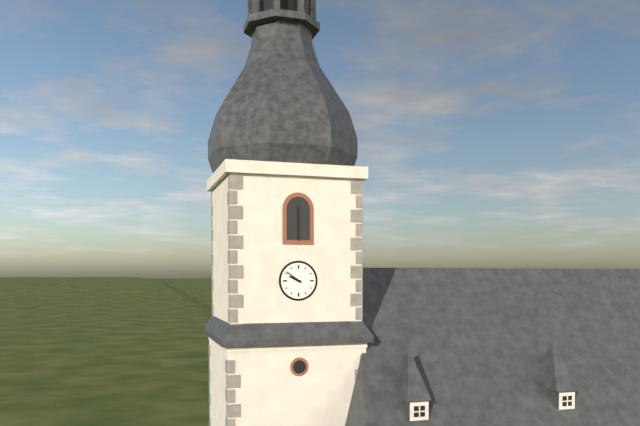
9:51
